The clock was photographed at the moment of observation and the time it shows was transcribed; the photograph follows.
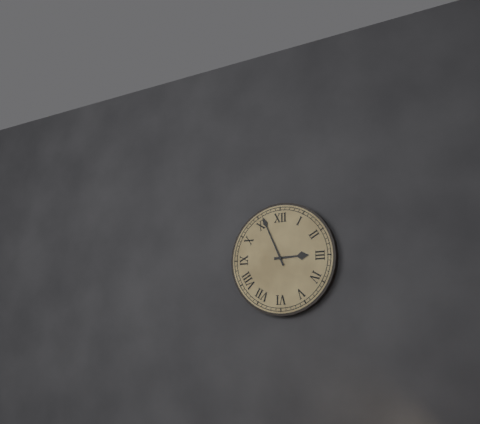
2:56
